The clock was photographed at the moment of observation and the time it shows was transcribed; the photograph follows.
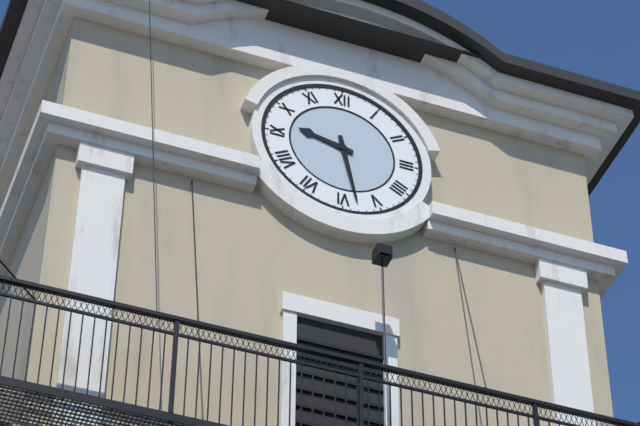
9:28
